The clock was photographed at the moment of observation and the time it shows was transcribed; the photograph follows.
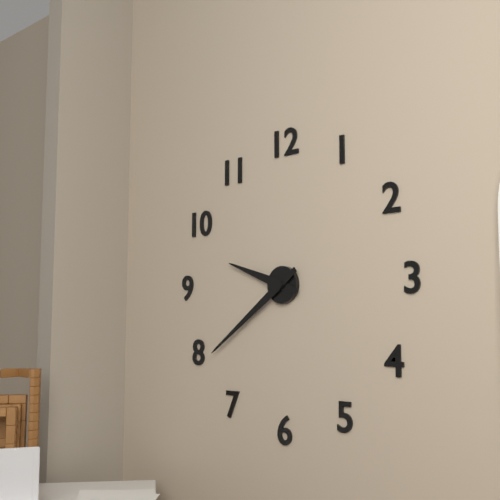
9:39
